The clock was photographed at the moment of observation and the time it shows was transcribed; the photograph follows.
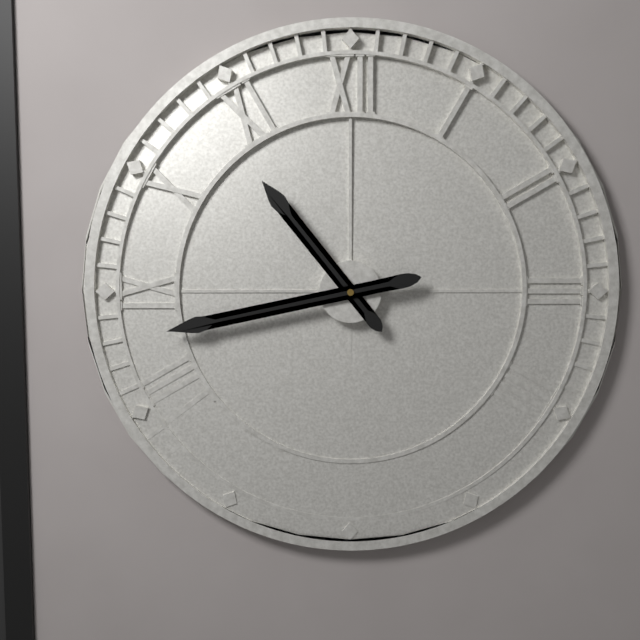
10:43
